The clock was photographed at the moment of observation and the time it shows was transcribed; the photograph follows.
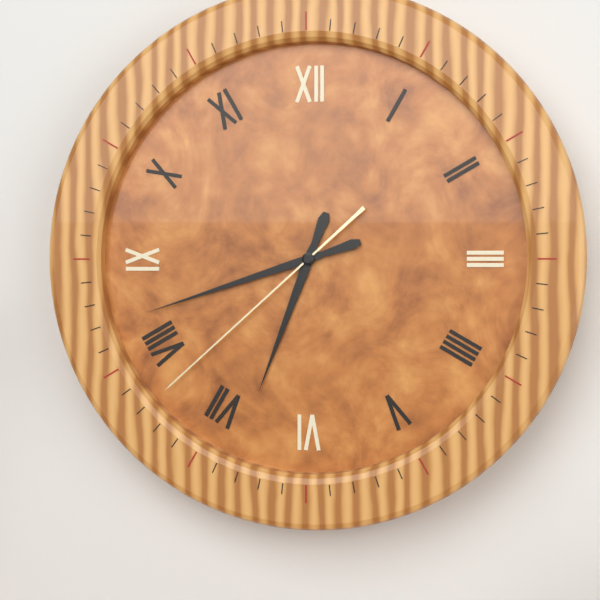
6:42:38
